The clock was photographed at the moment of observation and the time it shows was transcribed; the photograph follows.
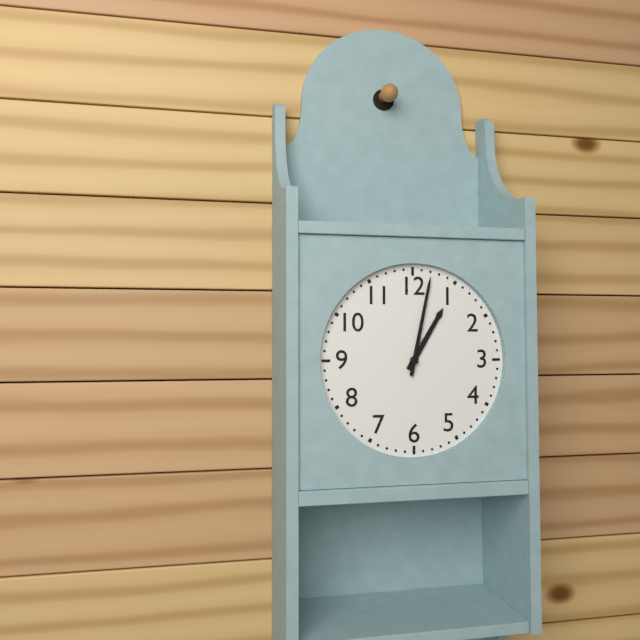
1:02
